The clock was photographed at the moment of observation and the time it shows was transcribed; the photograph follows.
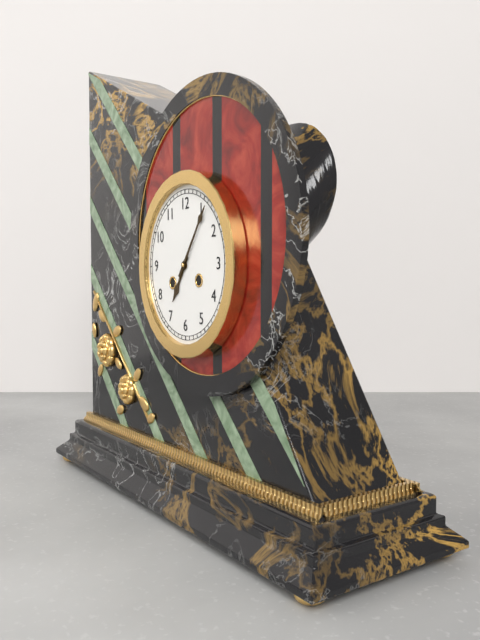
7:06
